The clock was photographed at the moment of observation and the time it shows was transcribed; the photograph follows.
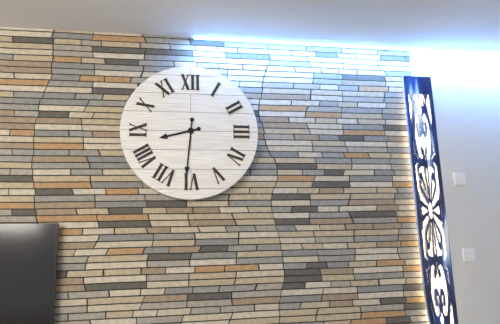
8:31
